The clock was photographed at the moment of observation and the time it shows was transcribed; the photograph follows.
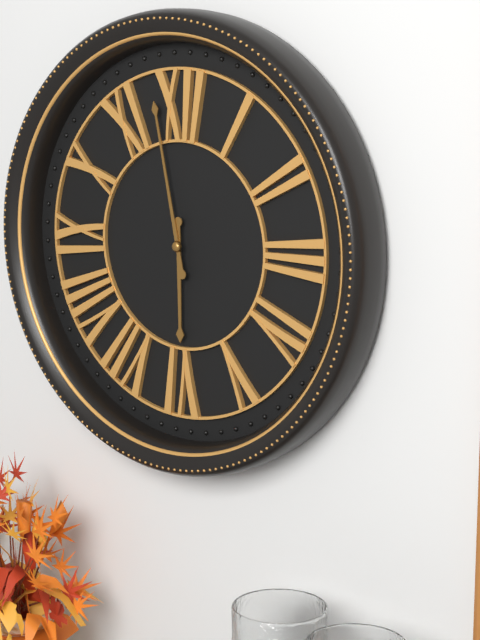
5:58
